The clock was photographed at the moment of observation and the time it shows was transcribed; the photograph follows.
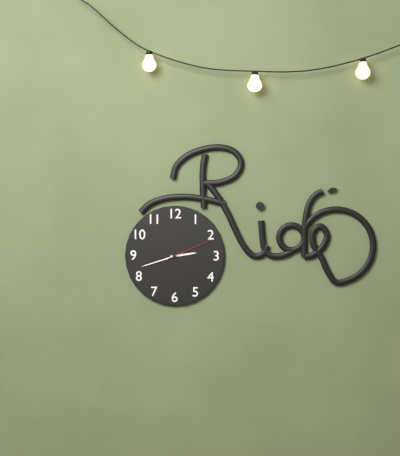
2:42
